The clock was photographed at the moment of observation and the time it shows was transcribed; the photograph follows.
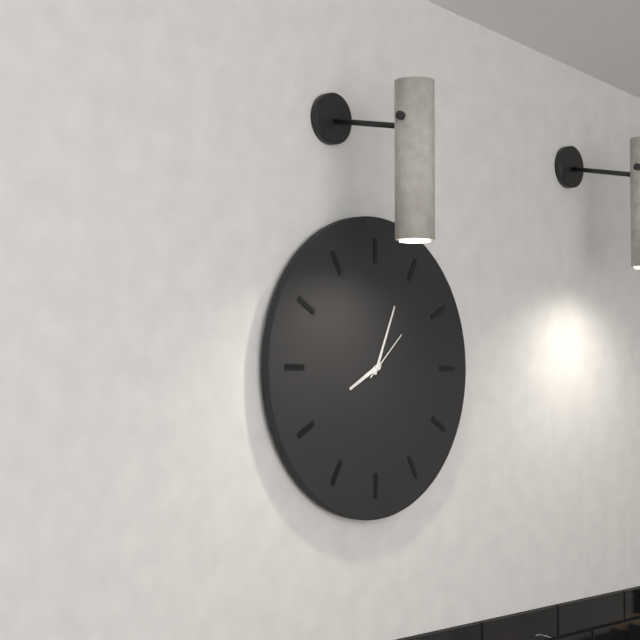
8:04:08
